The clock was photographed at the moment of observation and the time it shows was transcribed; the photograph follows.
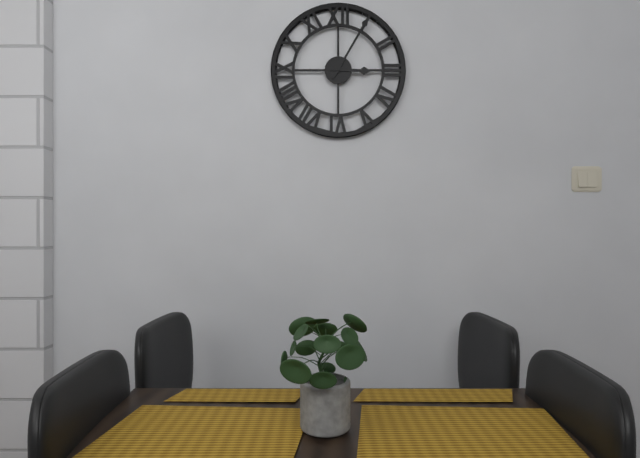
3:05
